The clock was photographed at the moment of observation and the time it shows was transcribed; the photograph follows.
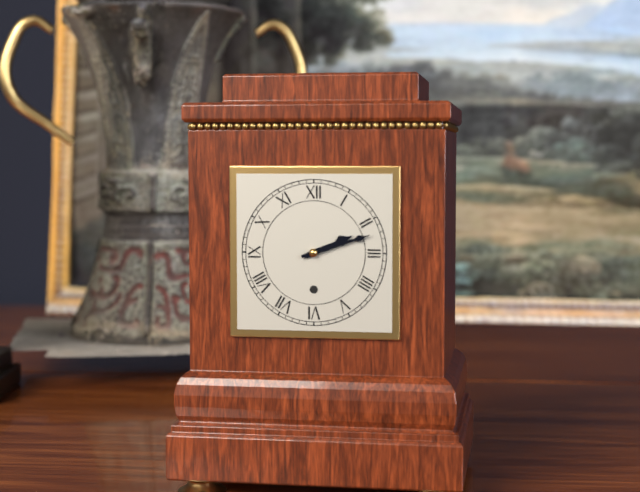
2:12
